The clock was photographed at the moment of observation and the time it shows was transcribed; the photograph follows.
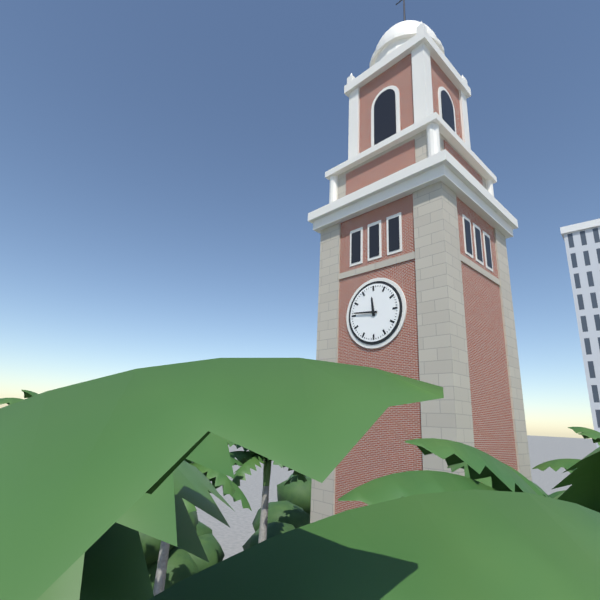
11:46
